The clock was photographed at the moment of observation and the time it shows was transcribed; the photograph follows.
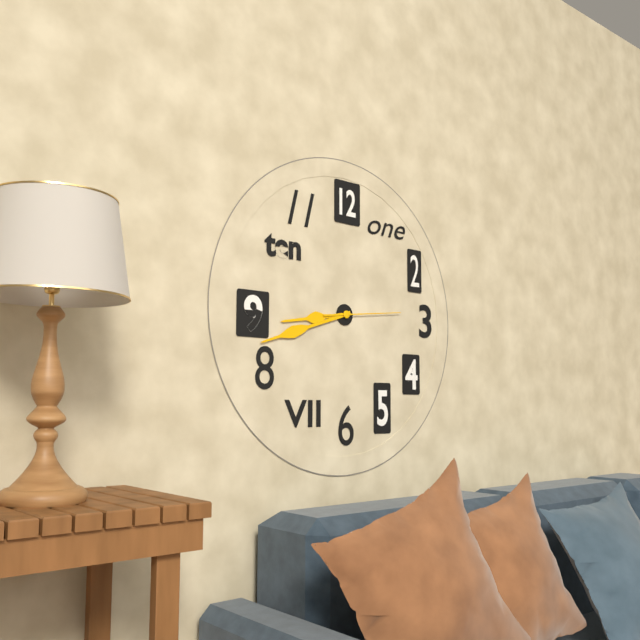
8:42:14
